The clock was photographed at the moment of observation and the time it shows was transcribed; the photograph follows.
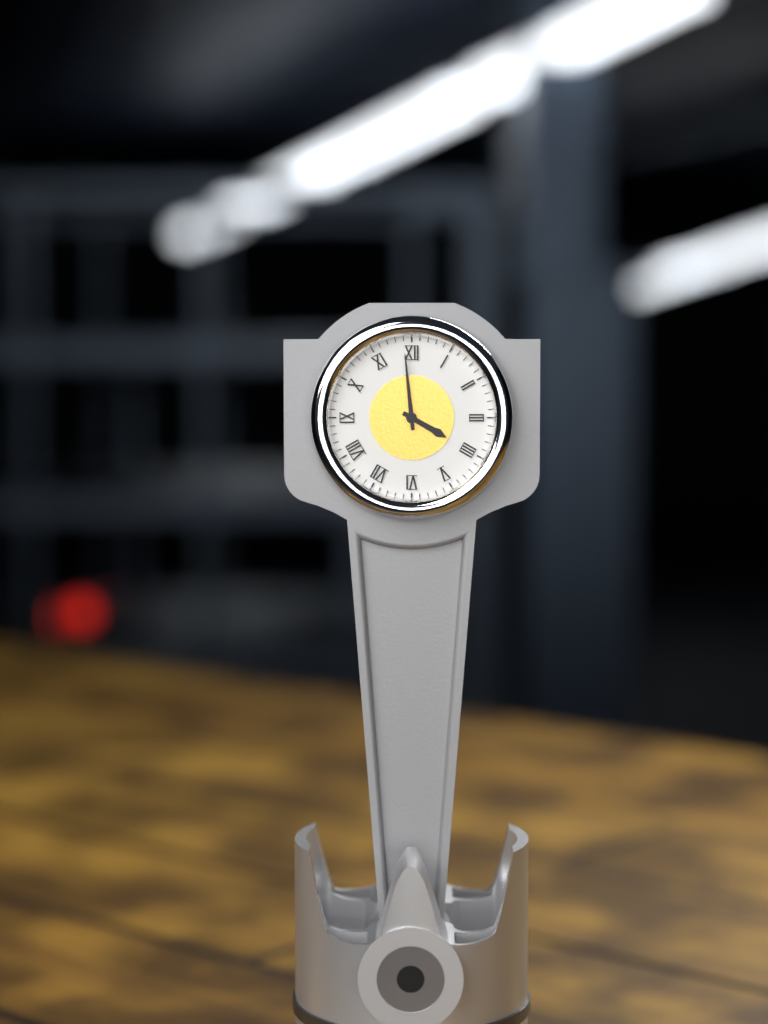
3:59
